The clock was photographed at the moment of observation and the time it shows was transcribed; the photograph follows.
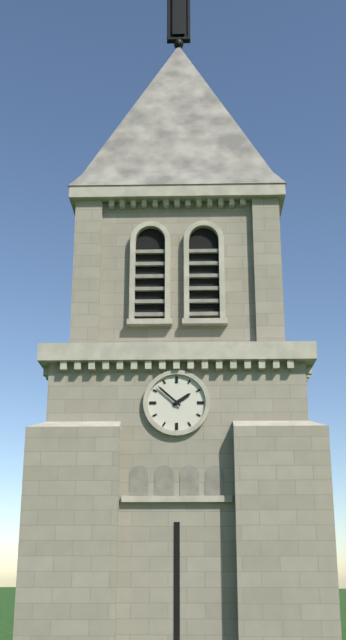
1:52
